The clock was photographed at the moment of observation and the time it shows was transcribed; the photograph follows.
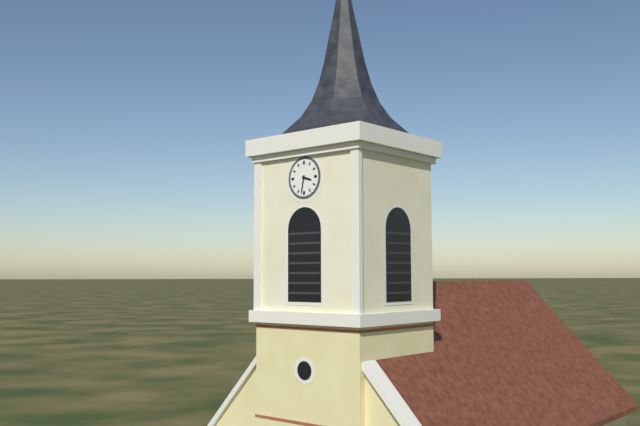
3:32
